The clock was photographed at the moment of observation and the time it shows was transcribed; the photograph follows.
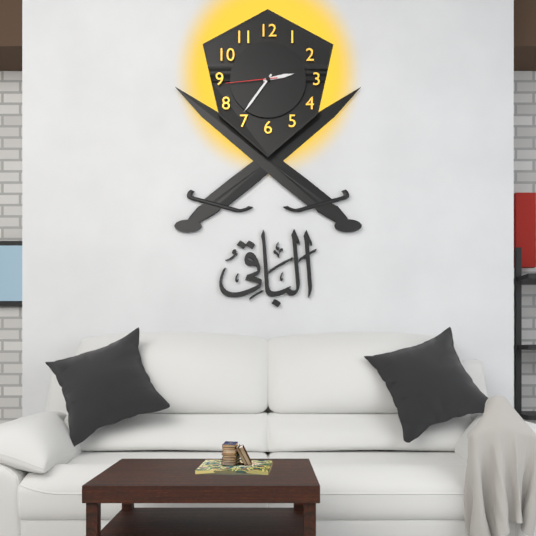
2:36:44
